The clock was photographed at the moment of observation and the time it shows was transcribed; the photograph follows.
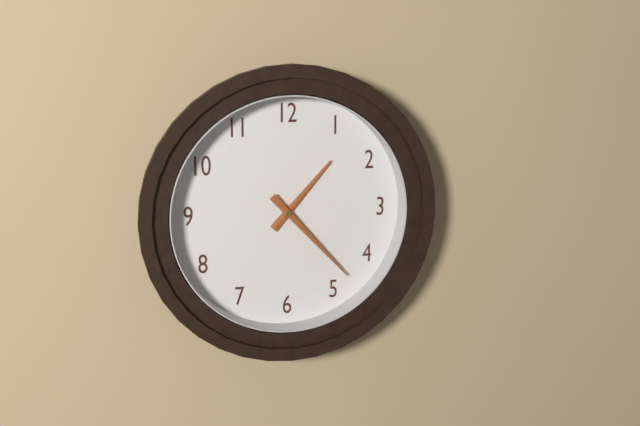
1:23
